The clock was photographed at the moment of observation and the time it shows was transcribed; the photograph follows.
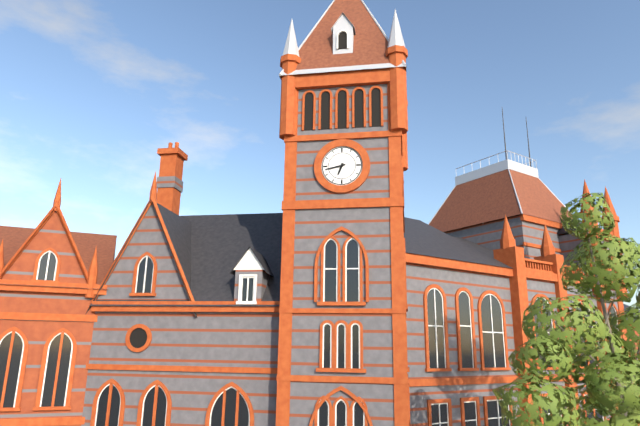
6:43
